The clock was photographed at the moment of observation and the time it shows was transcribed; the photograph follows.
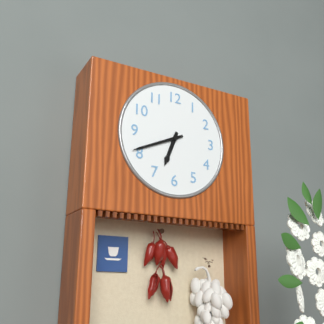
6:41
